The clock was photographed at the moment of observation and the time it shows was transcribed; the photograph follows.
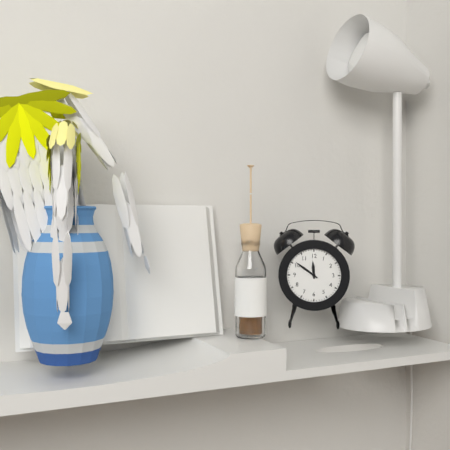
11:51
